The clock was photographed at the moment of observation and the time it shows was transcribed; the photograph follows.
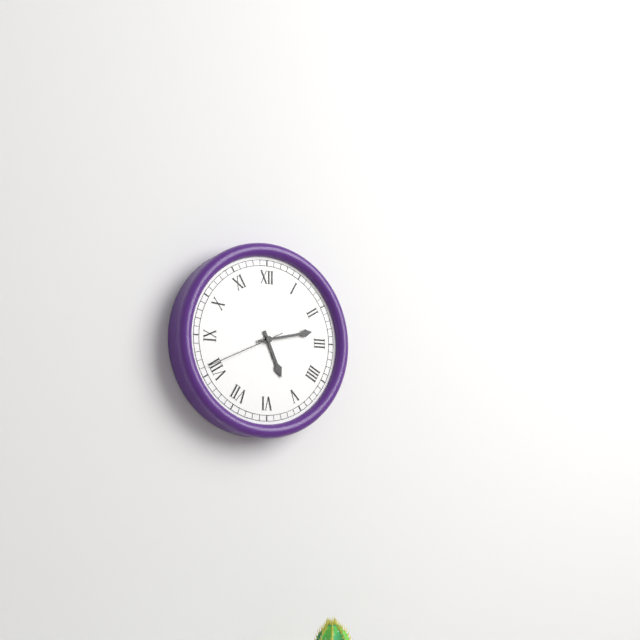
5:13:41
